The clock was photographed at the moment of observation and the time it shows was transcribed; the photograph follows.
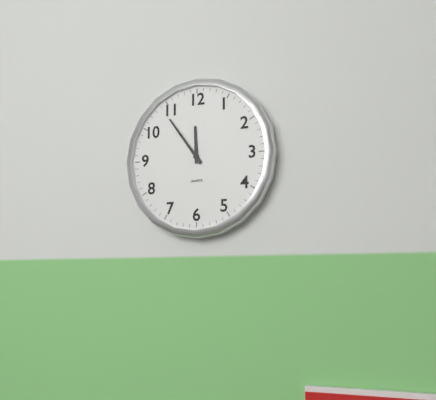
11:54
